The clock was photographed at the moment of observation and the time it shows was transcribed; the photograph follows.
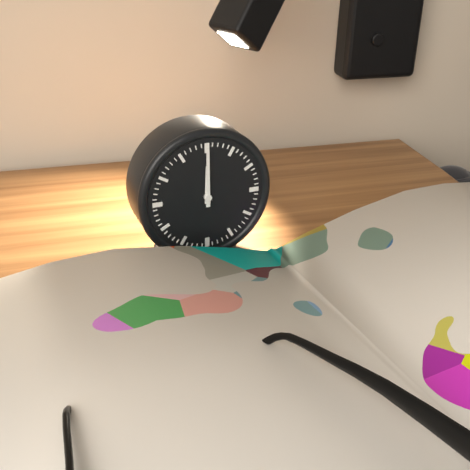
12:00
